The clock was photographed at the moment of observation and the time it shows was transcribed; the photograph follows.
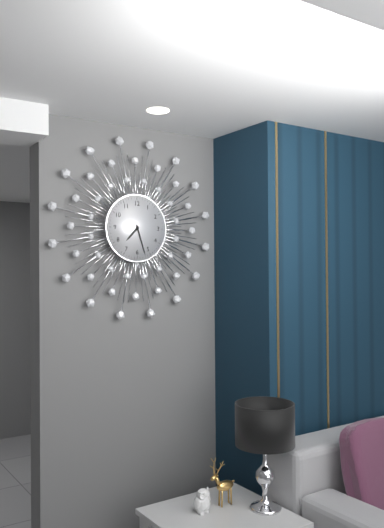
7:27
